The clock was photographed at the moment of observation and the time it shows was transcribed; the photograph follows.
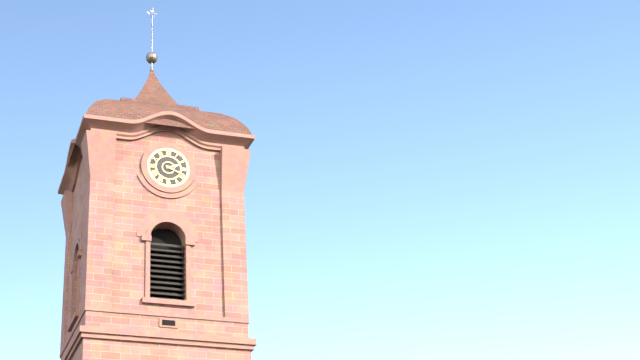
2:19
